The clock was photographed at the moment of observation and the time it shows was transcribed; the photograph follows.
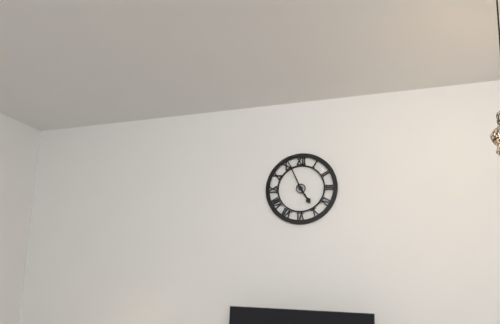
4:56
